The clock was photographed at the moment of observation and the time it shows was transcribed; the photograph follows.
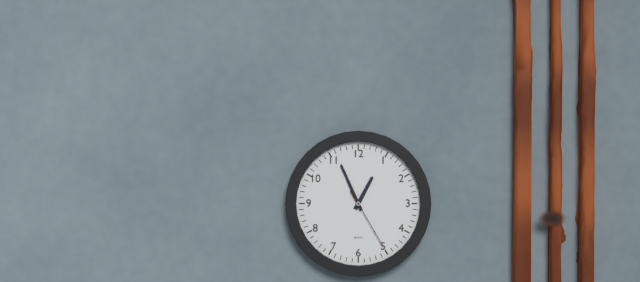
12:56:25
